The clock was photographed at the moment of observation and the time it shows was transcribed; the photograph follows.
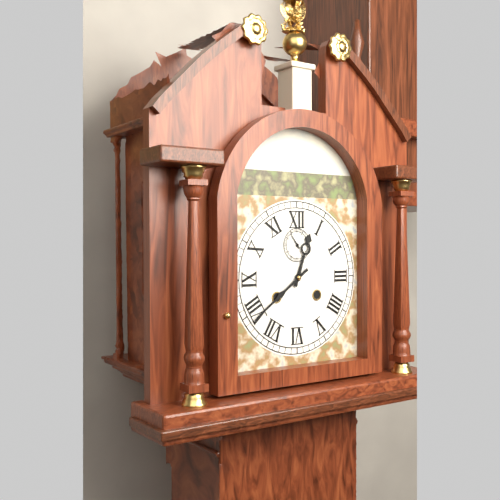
12:39
